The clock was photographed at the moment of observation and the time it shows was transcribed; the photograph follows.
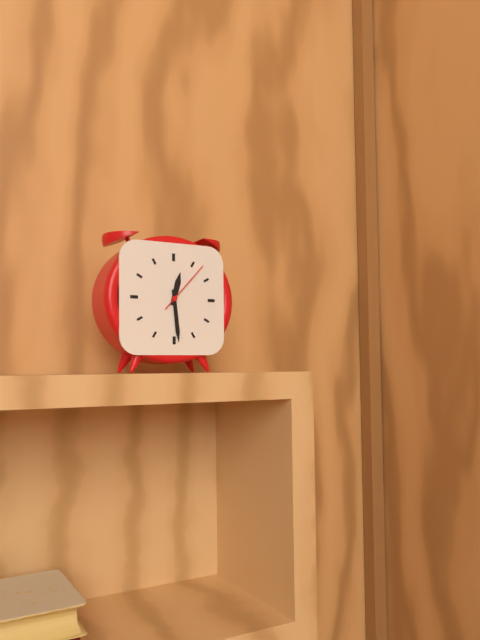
12:29:07
